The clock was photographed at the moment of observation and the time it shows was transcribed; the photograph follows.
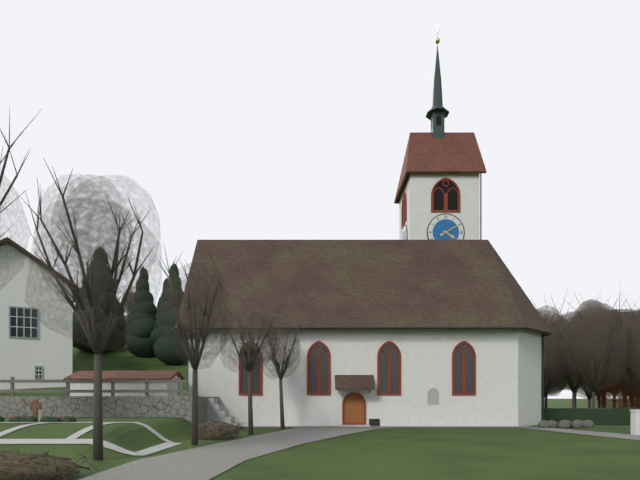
4:10
